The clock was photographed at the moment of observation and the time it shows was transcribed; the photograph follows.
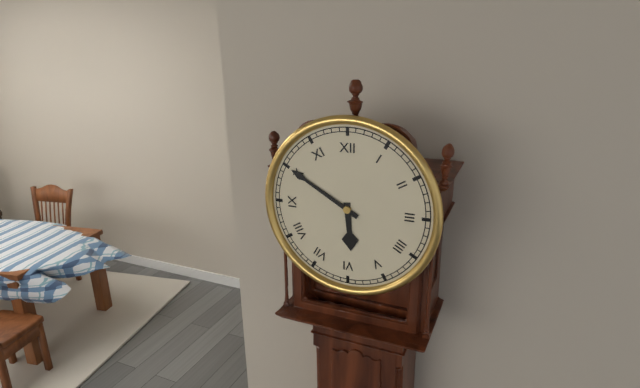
5:50
